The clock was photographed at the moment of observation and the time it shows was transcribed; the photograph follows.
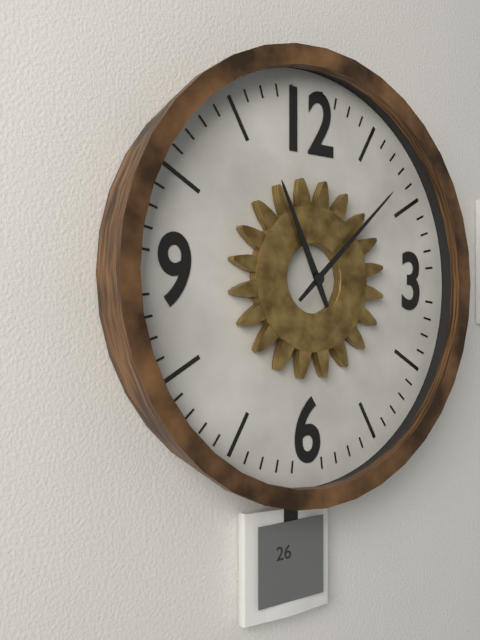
11:08
